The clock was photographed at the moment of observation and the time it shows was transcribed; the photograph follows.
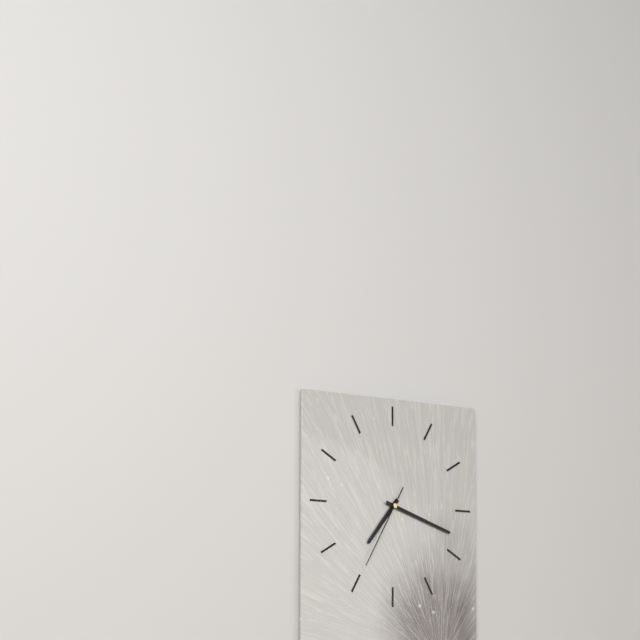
7:18:35
